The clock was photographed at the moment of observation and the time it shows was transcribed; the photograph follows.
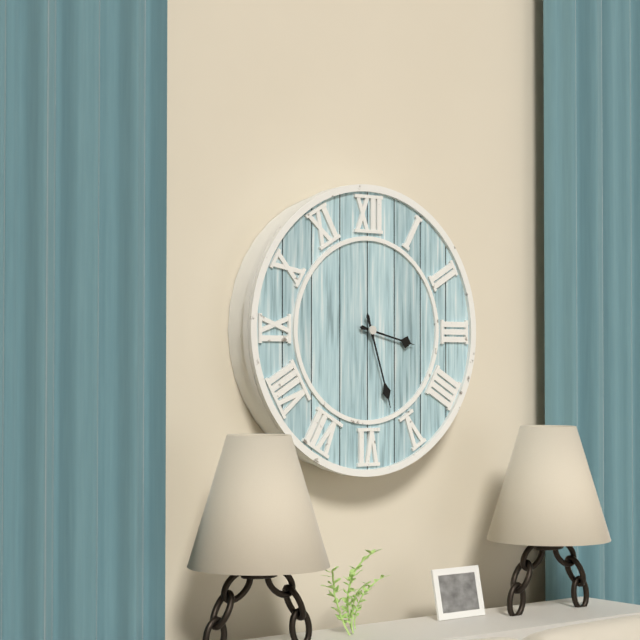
3:27
